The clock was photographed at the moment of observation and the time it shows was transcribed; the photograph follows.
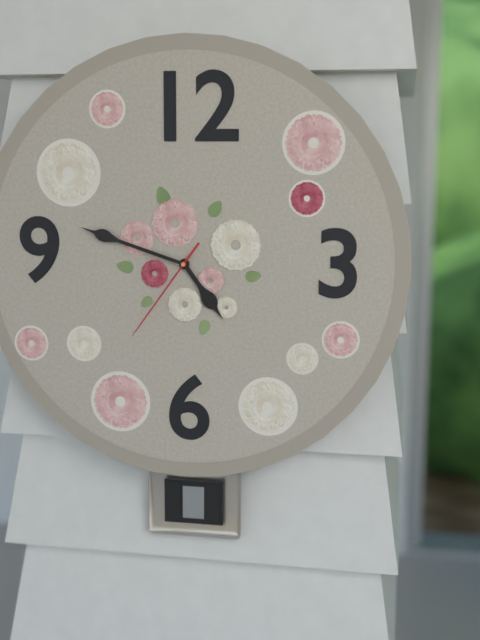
4:48:36
